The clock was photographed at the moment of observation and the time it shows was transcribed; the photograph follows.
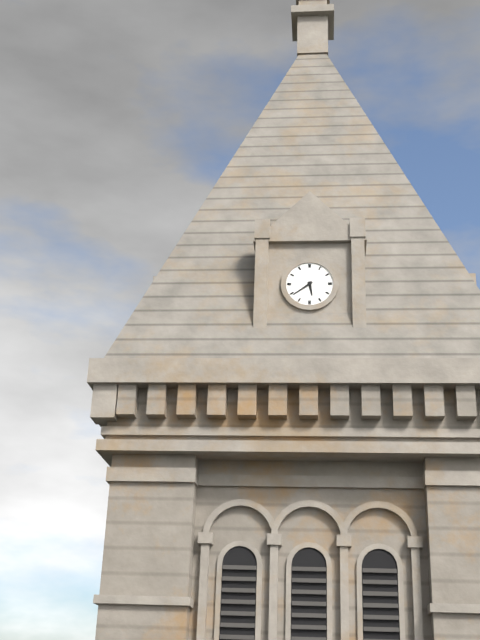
5:39
